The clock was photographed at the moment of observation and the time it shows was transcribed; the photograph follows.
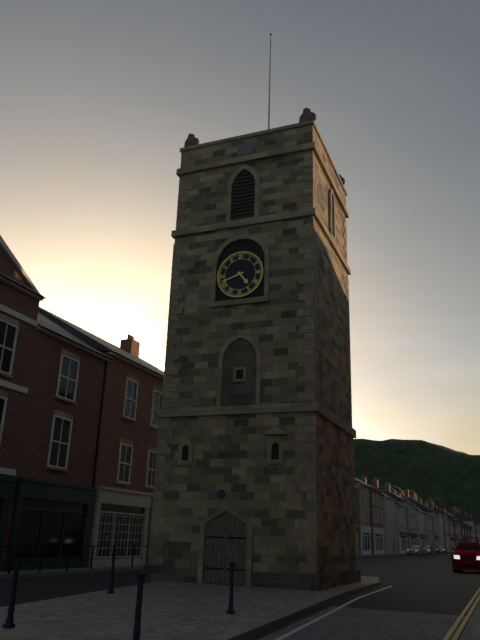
4:42
